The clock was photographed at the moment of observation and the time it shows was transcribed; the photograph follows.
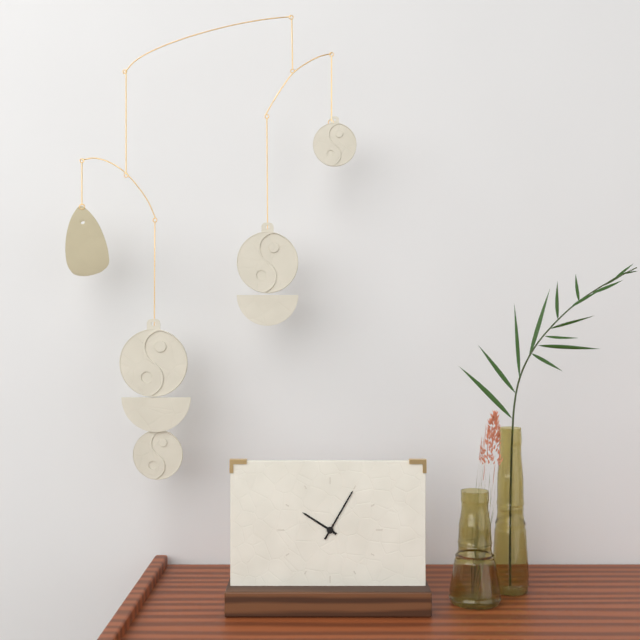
10:05
